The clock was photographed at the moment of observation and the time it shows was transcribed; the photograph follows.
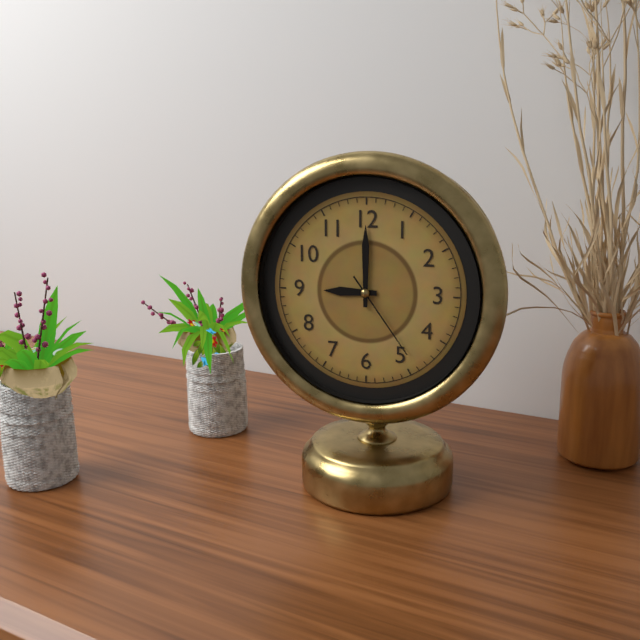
9:00:24
